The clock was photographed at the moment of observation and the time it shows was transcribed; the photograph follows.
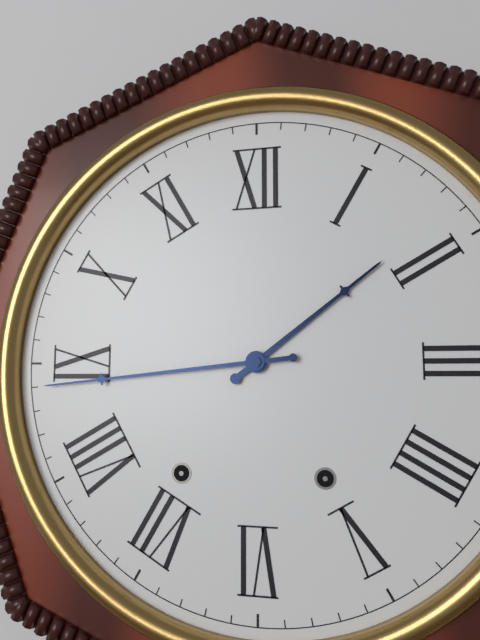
1:44
